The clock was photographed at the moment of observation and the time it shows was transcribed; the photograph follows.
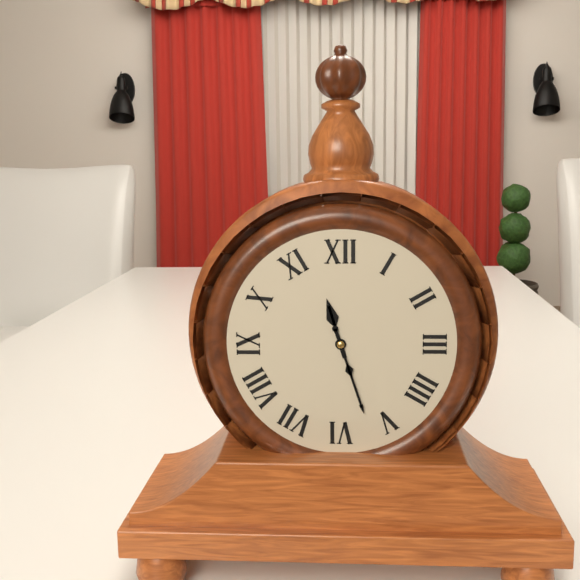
11:27
